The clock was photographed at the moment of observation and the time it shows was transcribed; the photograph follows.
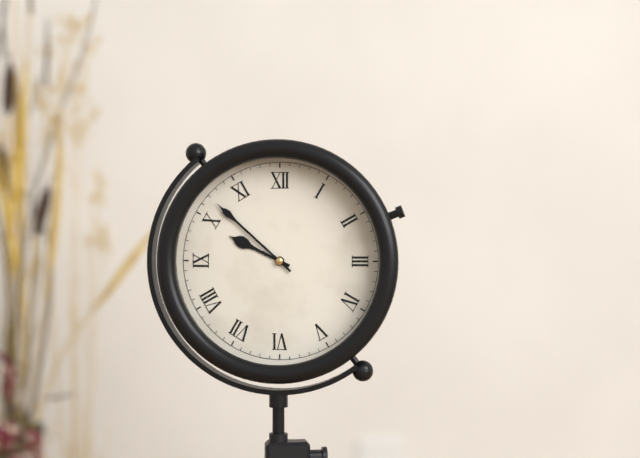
9:52
